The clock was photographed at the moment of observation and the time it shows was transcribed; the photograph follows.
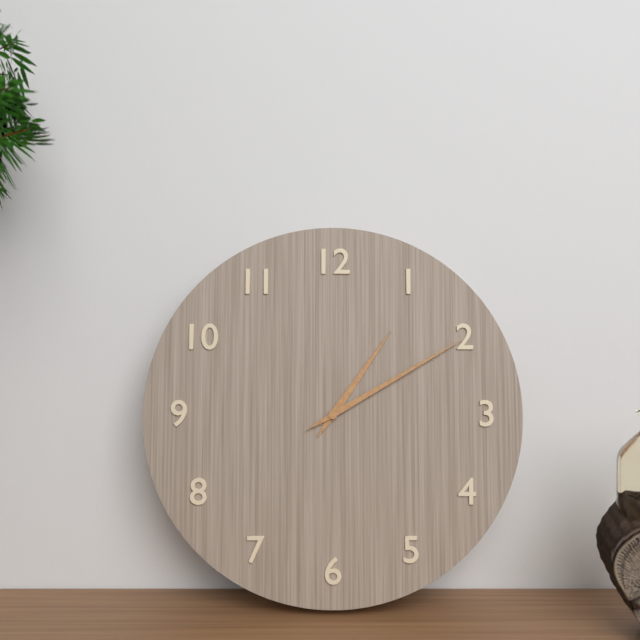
1:10
